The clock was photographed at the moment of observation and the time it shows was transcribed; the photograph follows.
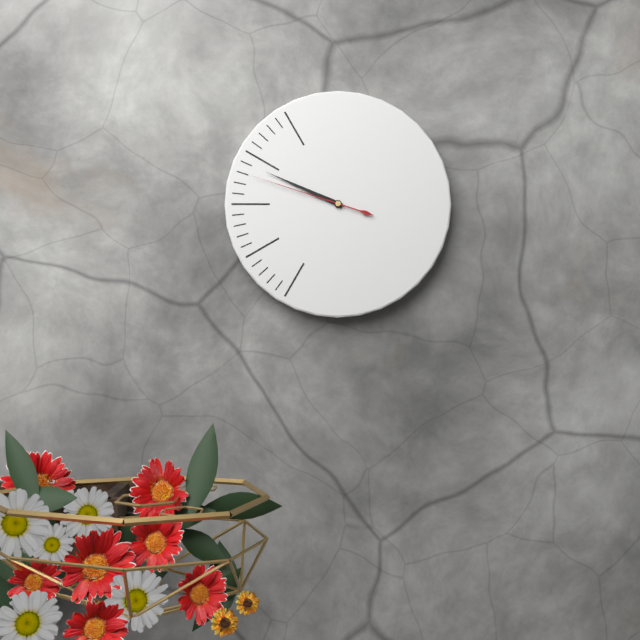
9:49:48
